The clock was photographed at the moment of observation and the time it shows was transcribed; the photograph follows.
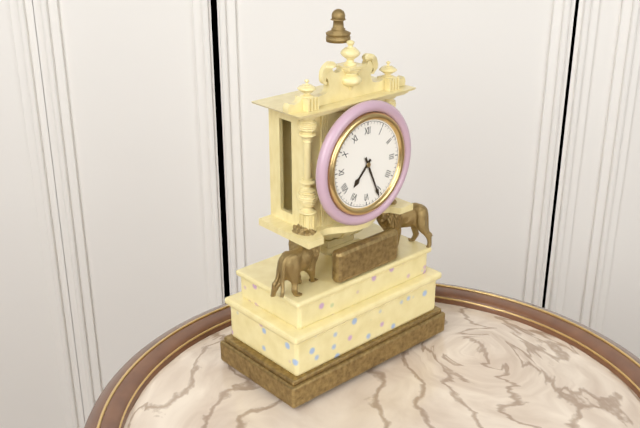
7:26
